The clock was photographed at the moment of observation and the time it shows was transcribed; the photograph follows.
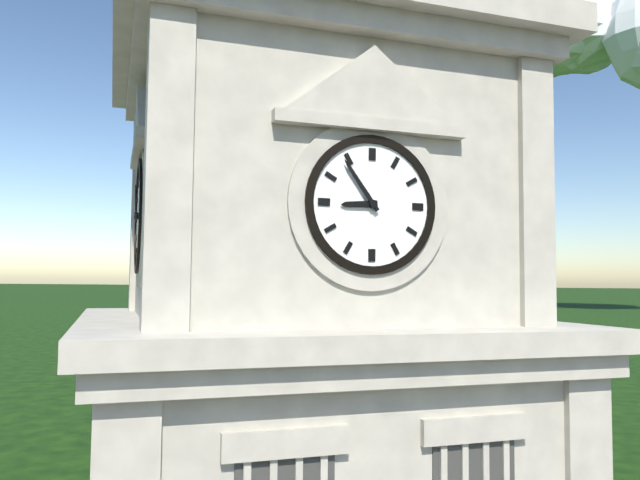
8:54
